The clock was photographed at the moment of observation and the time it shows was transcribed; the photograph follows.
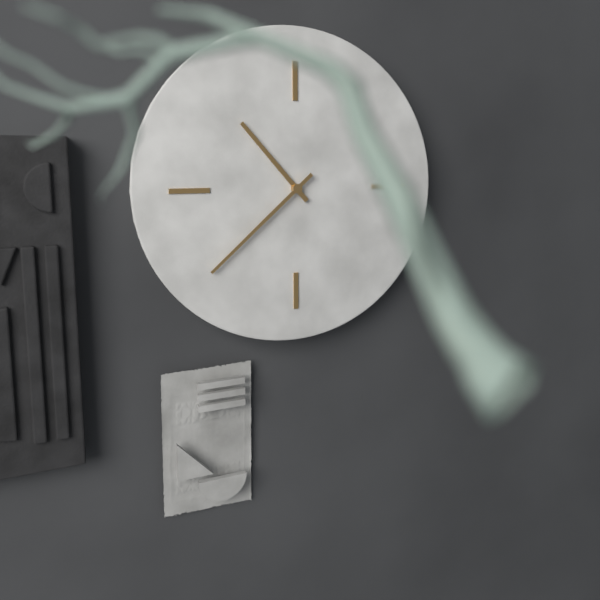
10:38
